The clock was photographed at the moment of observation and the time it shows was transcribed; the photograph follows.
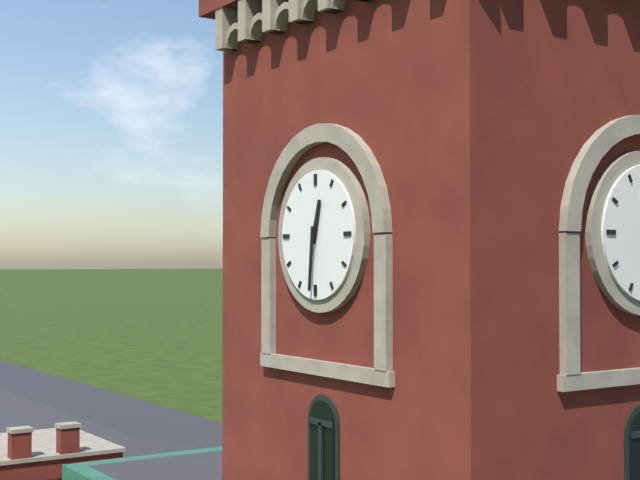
12:31
